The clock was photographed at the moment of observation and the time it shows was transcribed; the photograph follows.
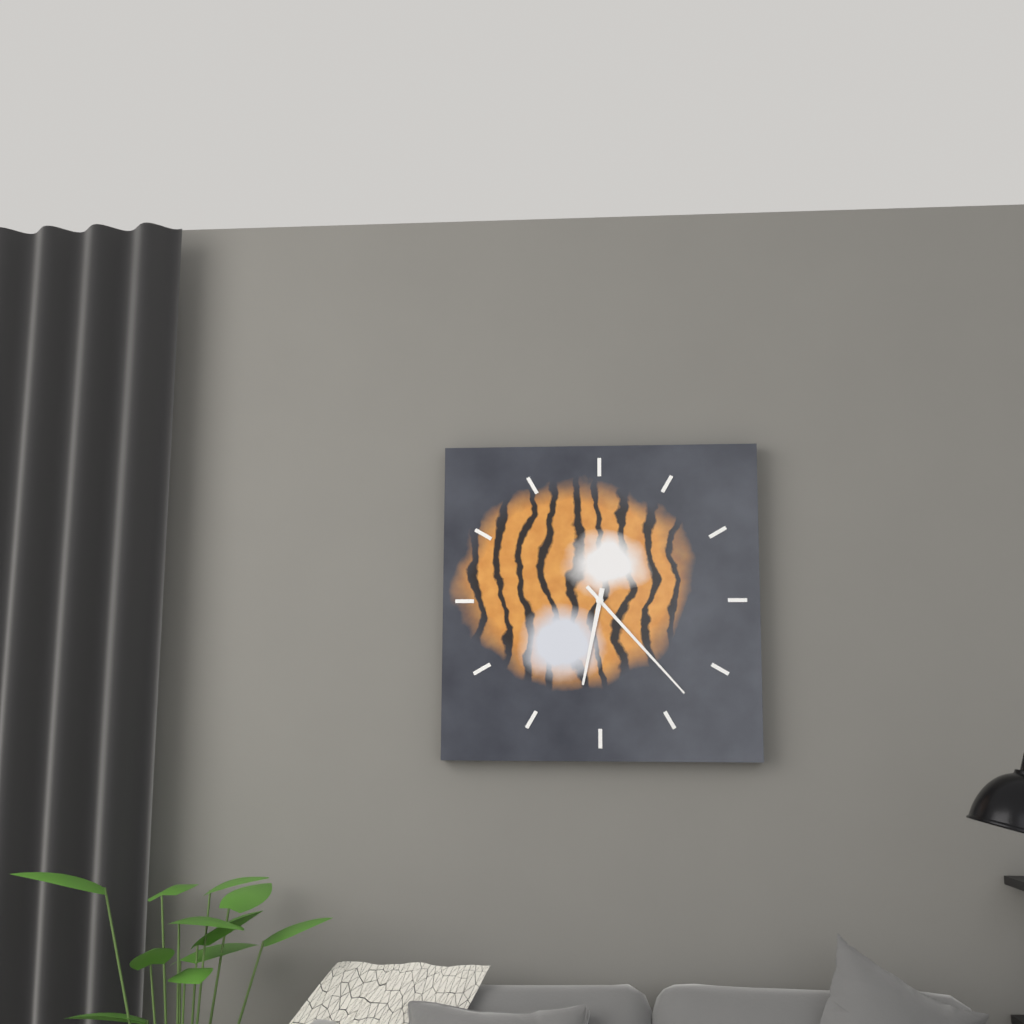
6:23
